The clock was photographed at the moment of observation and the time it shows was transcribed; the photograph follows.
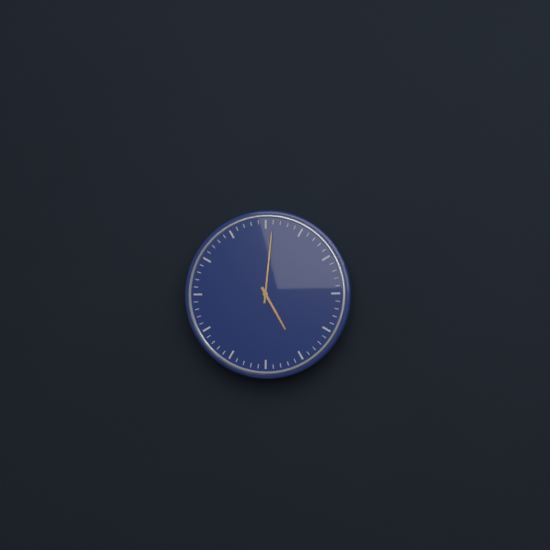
5:01
